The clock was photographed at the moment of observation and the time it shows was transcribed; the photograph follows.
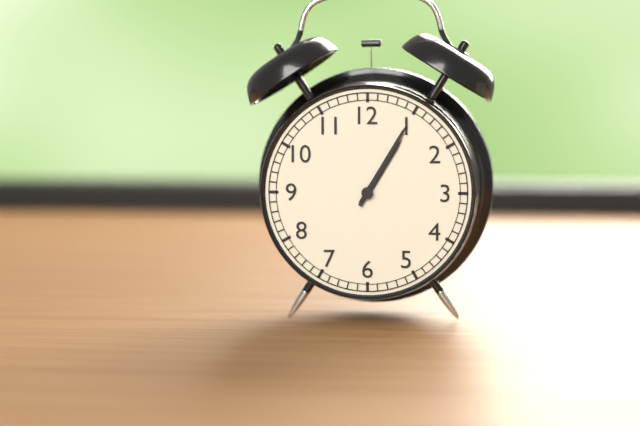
1:05
